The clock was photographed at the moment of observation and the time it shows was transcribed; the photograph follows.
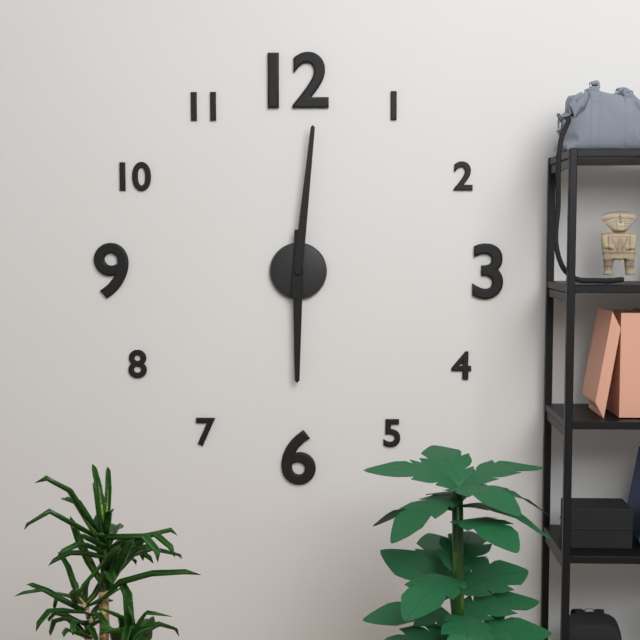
6:01
